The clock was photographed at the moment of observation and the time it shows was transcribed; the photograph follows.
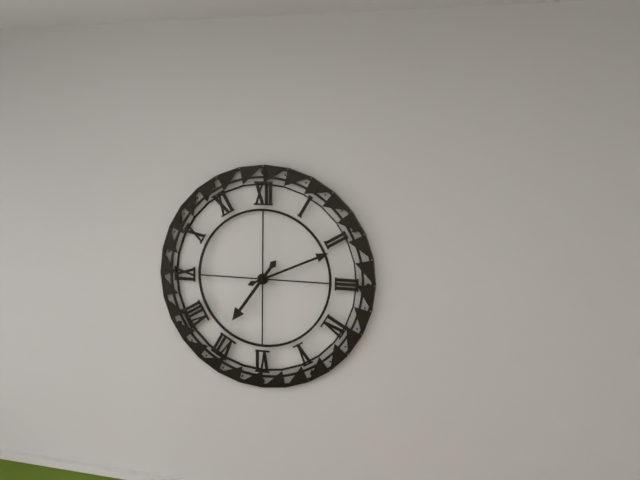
7:11
